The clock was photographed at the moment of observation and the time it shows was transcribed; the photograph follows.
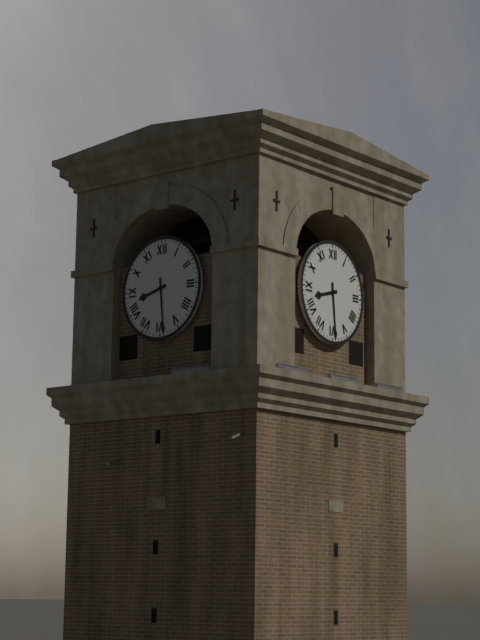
8:29
